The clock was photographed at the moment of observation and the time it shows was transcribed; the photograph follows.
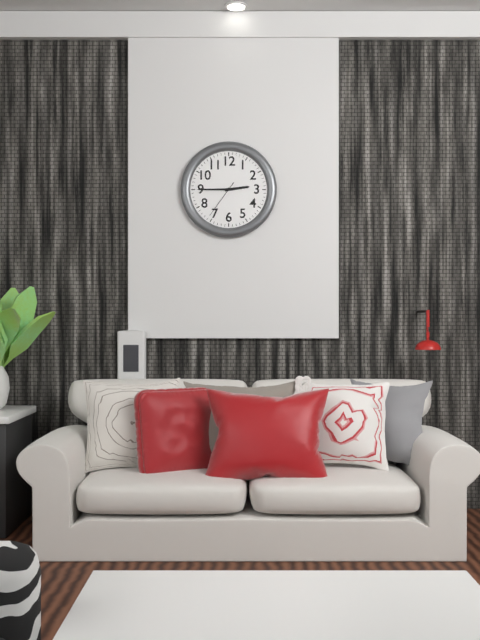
2:45
